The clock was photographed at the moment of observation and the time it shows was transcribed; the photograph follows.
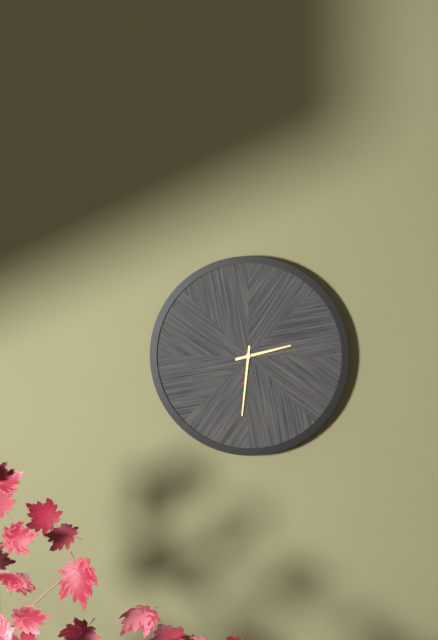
2:31
